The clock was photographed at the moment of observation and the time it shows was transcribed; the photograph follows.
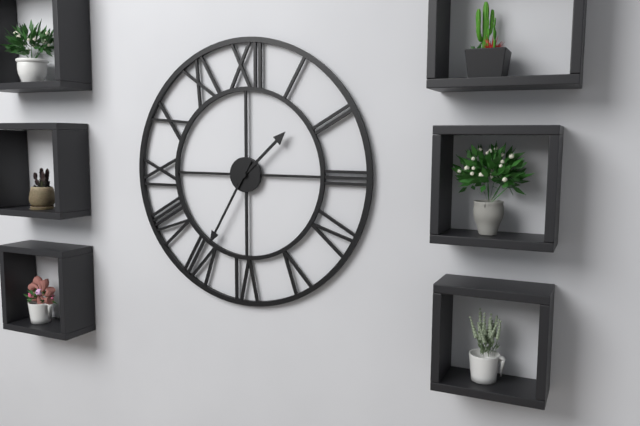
1:35
